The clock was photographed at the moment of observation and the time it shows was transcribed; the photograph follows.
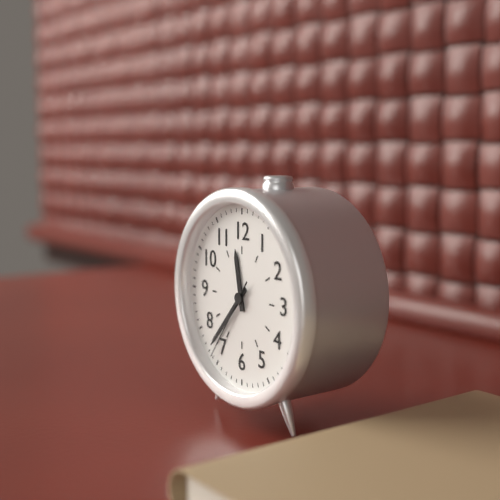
11:37:36
